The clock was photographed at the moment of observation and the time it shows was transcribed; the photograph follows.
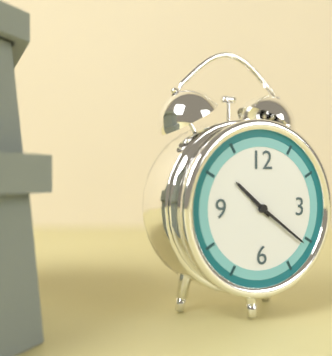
10:21
